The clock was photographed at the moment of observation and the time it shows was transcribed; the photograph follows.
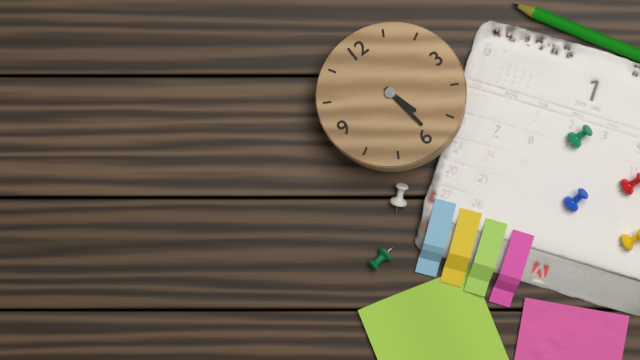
5:29
